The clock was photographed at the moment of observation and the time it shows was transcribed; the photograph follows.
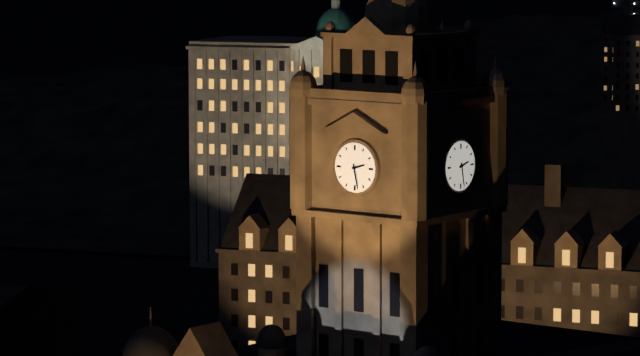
2:28
